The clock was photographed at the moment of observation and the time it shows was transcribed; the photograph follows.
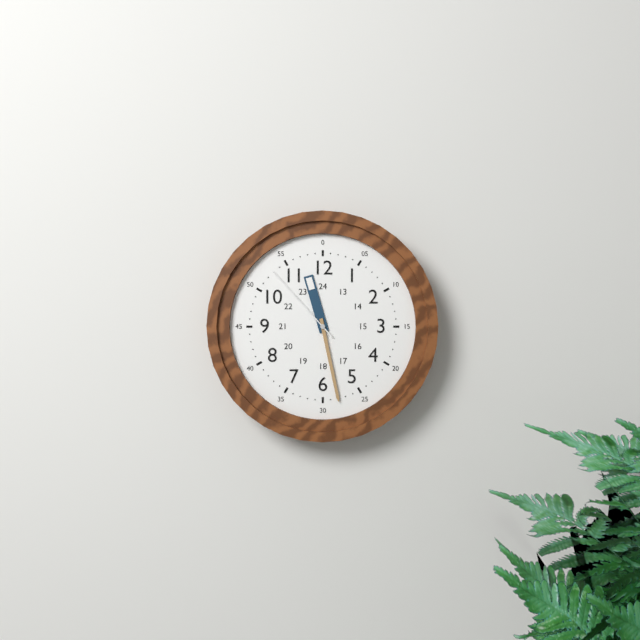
11:28:53
